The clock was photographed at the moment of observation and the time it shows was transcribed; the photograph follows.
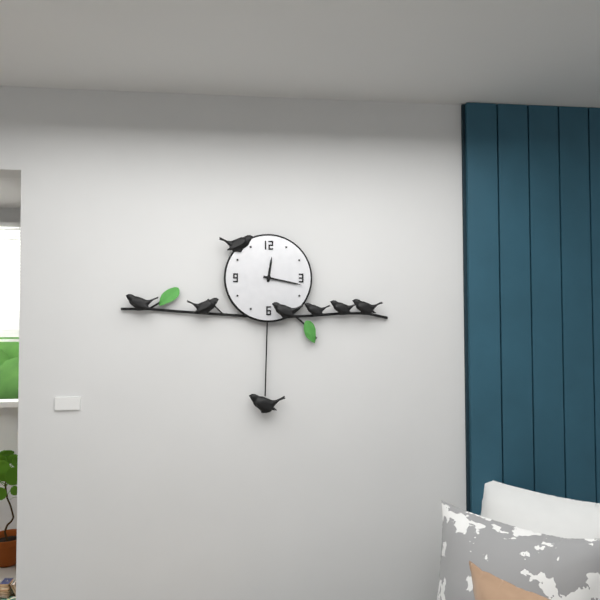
12:17
